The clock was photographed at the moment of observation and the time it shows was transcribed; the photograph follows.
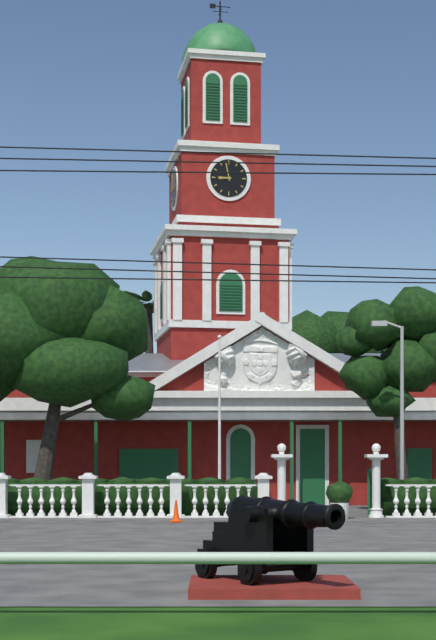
8:58
